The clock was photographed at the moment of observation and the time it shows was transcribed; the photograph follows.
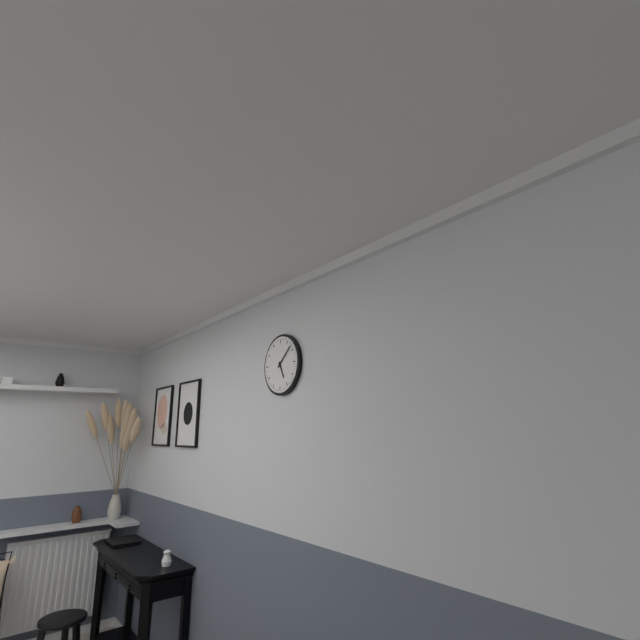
5:08
